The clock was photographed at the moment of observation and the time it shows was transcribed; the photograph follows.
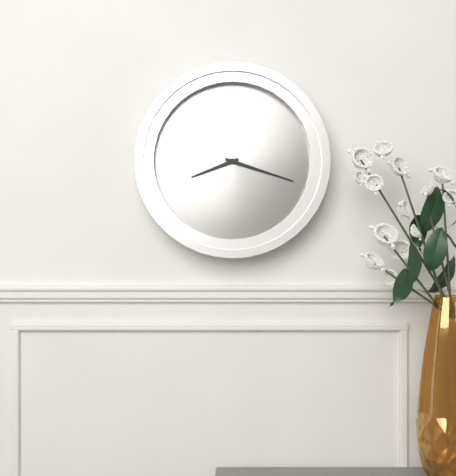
8:18
